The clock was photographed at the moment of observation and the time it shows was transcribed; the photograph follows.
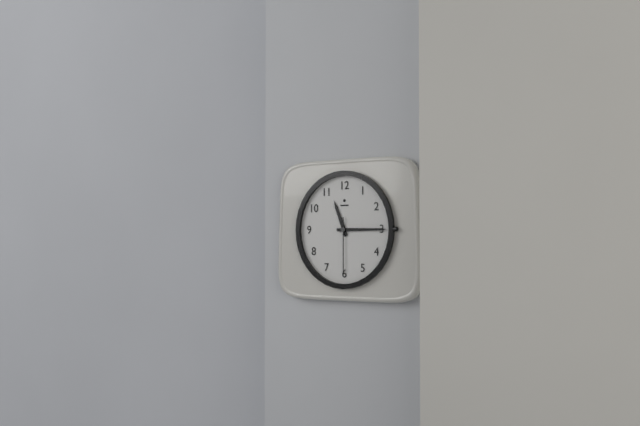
11:15:30
